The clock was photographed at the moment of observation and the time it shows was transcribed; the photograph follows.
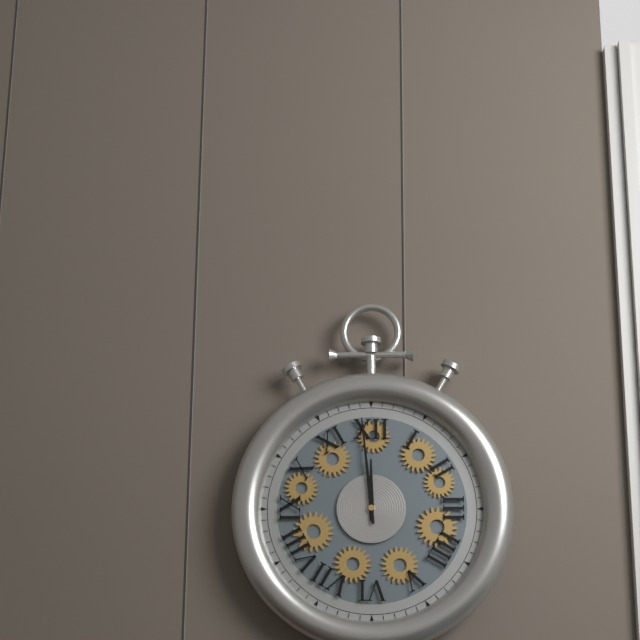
11:59
